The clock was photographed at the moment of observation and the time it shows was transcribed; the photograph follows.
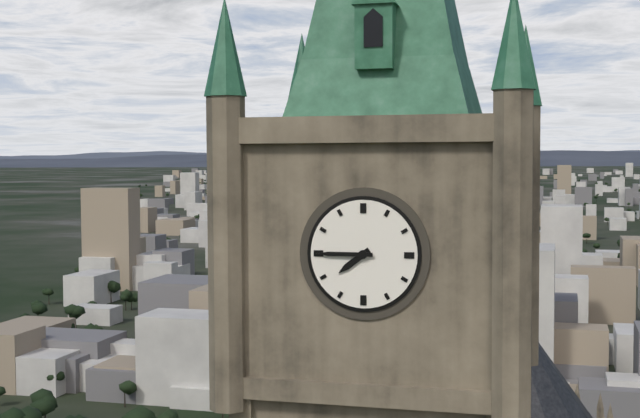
7:45
